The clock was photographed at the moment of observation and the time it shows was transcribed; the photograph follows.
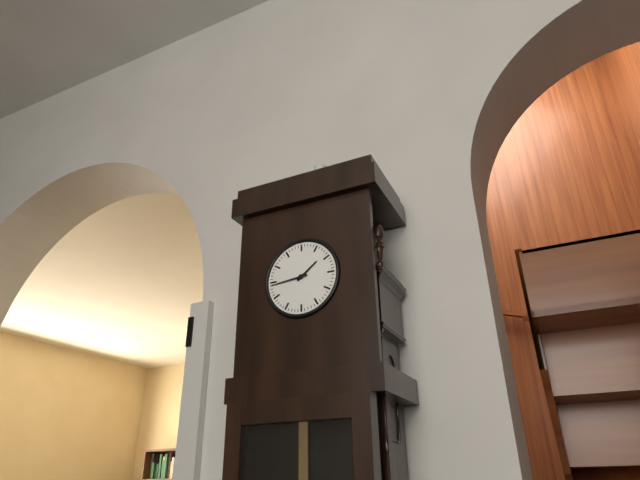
1:44
